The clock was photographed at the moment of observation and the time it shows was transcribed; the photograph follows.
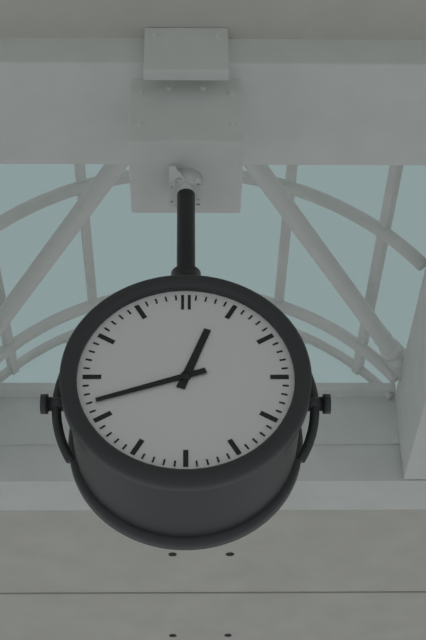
12:42
